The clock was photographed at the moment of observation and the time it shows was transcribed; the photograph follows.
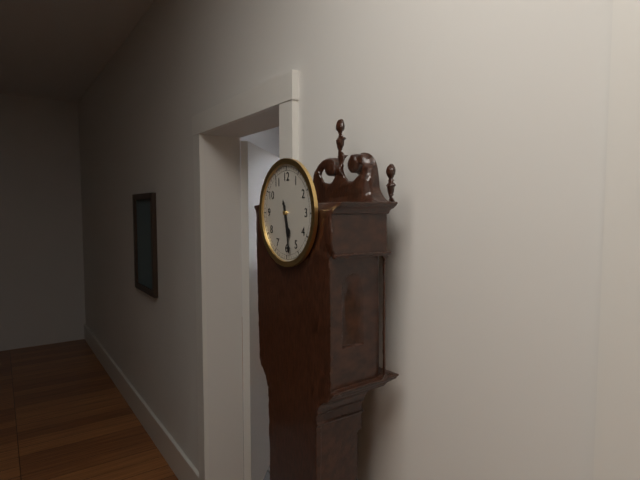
5:28
